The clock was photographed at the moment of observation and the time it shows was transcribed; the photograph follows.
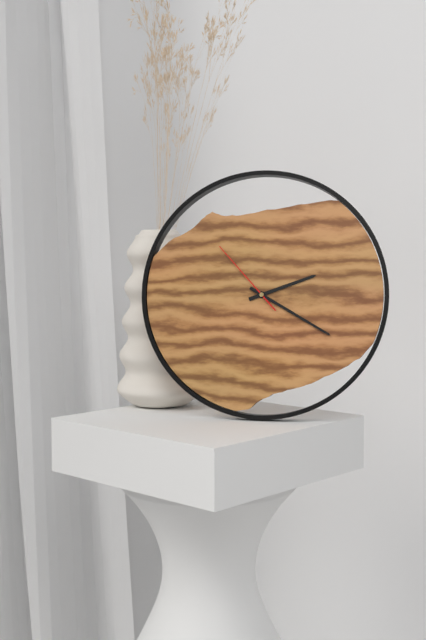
2:20:53
